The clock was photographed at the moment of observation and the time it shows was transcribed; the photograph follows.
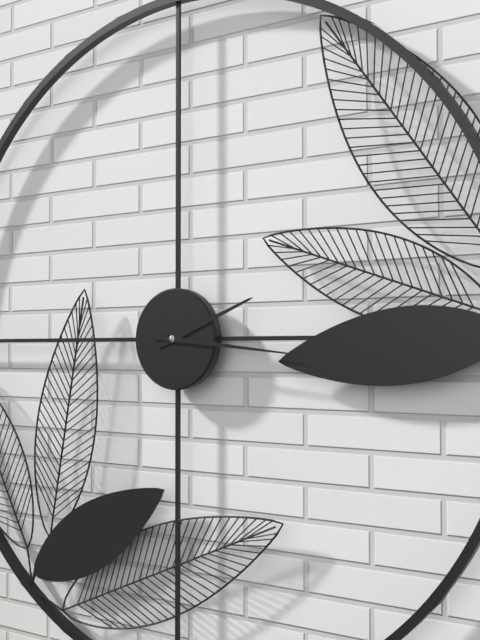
2:16
